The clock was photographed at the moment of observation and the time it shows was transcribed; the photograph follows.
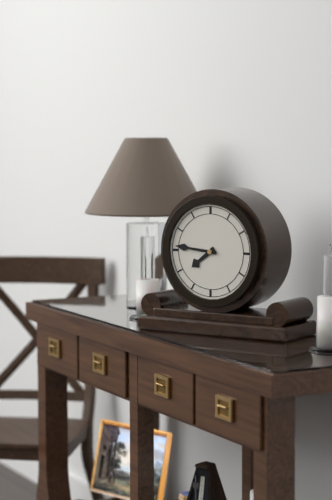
7:46
